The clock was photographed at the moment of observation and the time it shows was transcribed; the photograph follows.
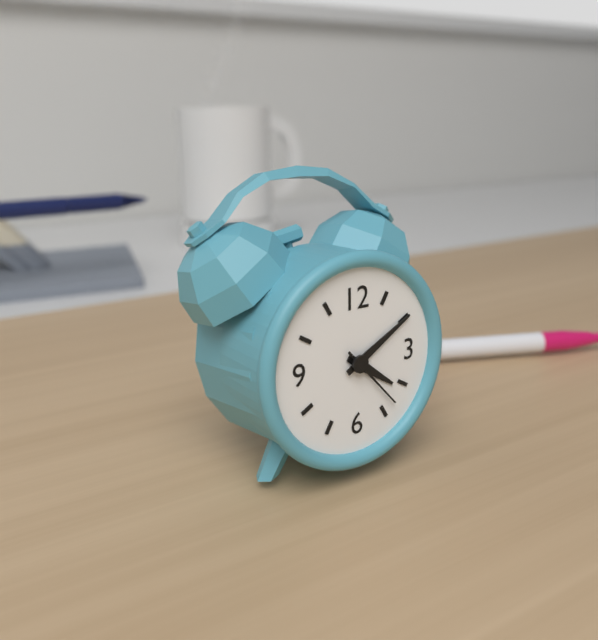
4:10:23
